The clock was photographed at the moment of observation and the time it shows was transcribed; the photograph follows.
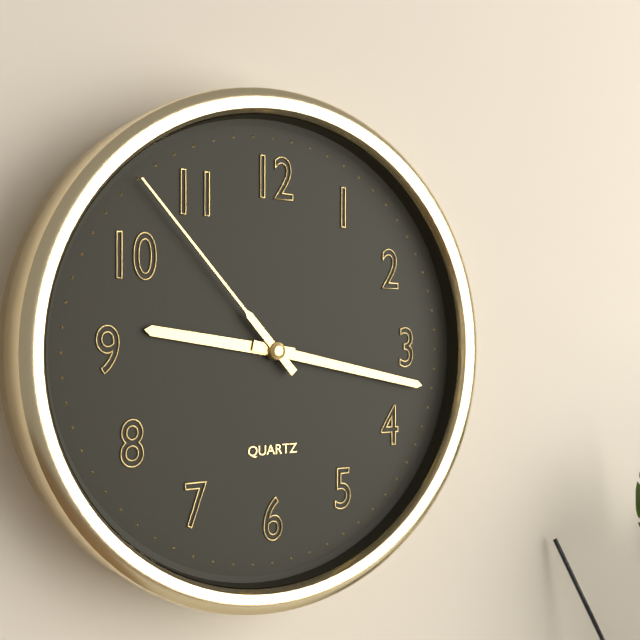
9:17:53
